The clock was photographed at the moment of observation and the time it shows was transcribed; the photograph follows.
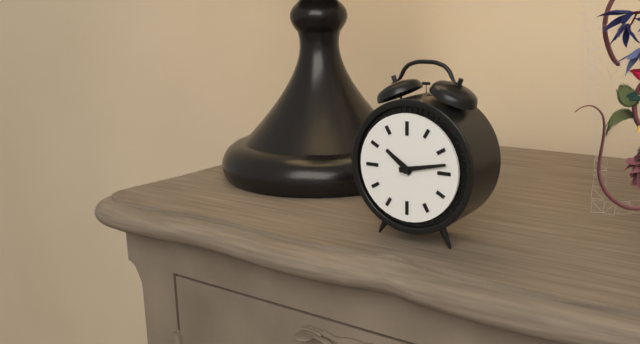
10:13
